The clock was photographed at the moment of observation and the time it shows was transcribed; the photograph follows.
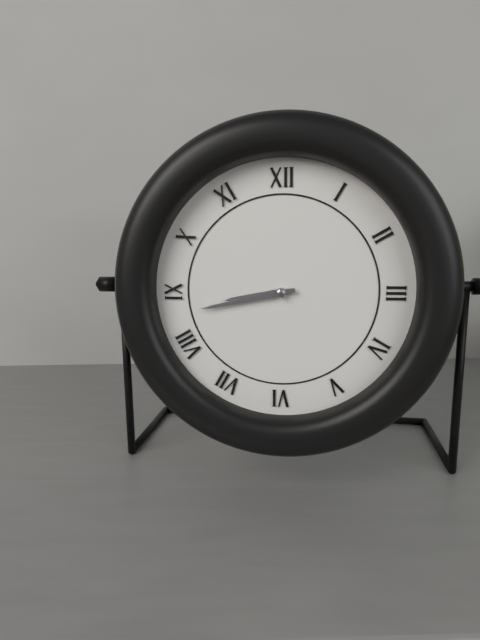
8:43
